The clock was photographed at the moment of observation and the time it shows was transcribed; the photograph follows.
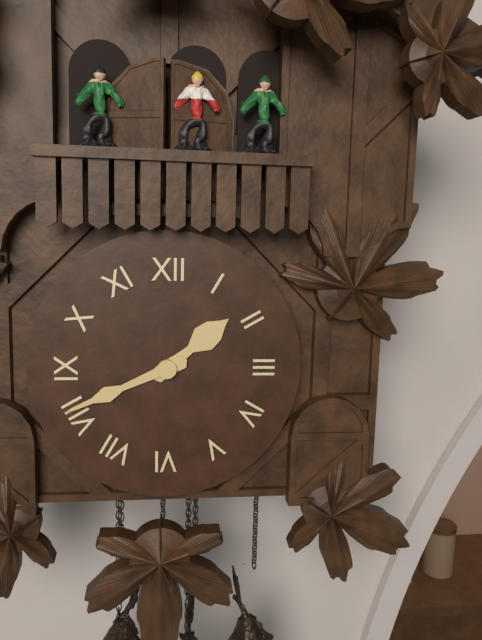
1:41
